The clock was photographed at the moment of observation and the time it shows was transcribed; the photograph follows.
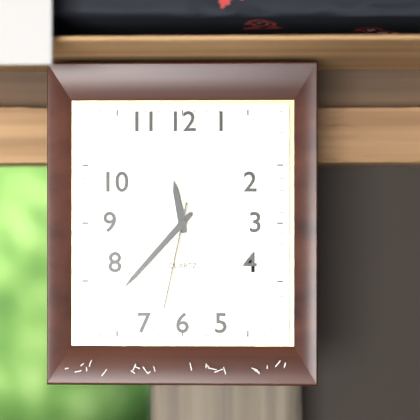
11:37:32
